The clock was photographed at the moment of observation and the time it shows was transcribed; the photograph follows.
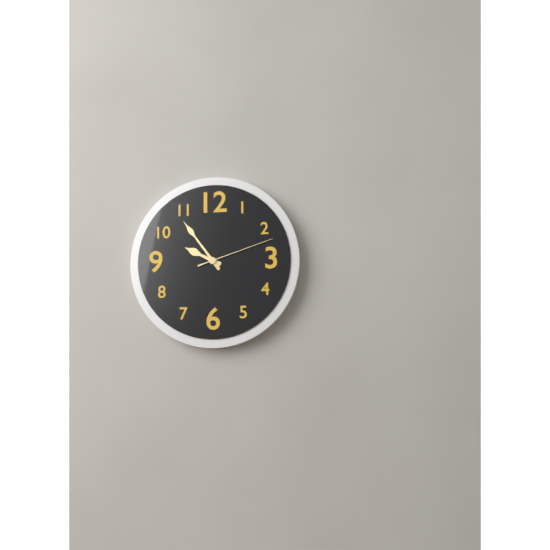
9:54:12
